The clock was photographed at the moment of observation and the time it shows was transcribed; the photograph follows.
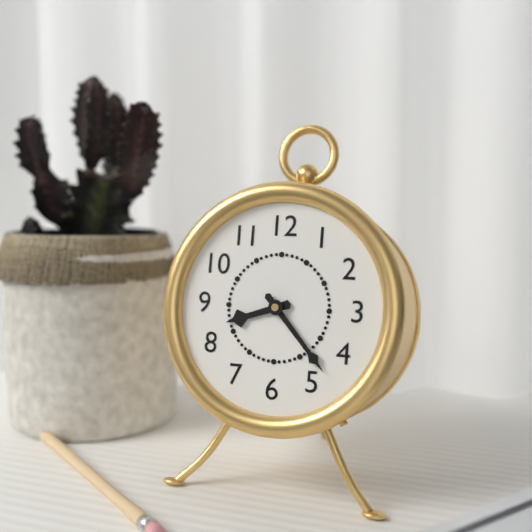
8:23
